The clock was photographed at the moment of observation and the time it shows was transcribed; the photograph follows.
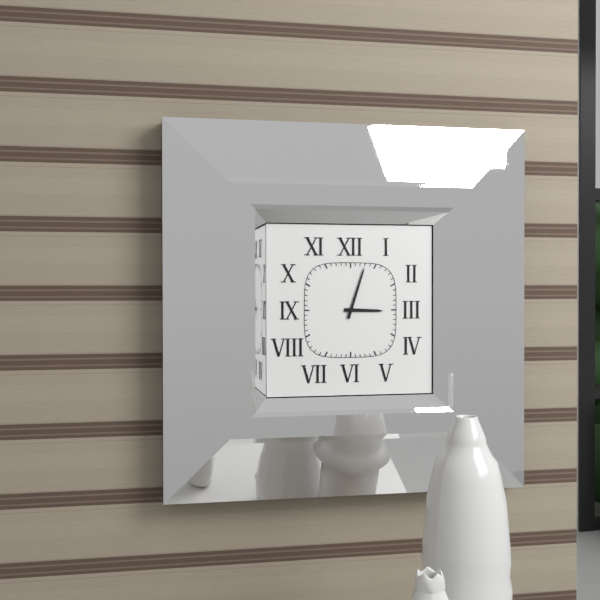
3:03
